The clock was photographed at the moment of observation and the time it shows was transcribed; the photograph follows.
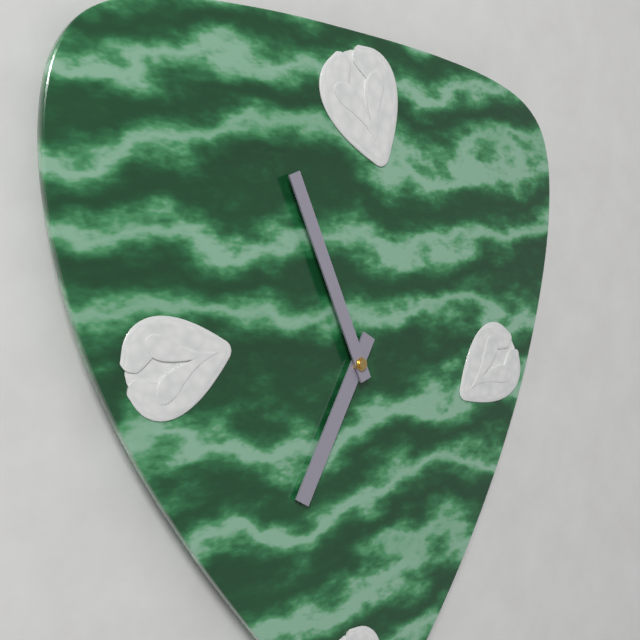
6:56
